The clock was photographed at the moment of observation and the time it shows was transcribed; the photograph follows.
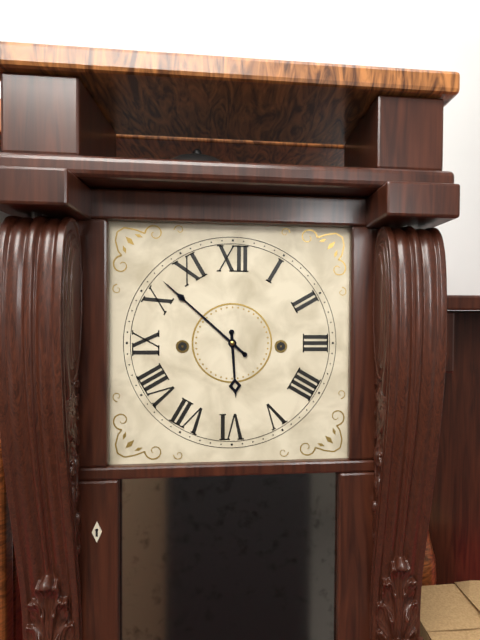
5:52
